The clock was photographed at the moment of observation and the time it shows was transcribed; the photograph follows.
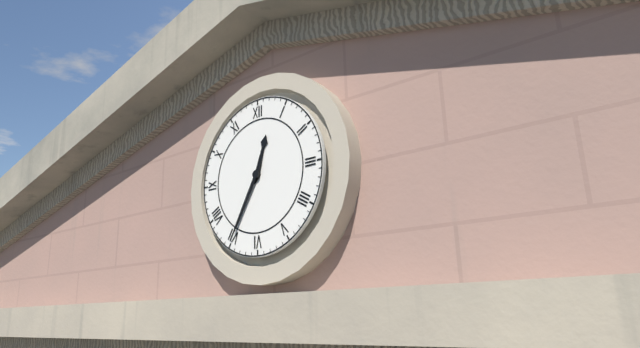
12:35
